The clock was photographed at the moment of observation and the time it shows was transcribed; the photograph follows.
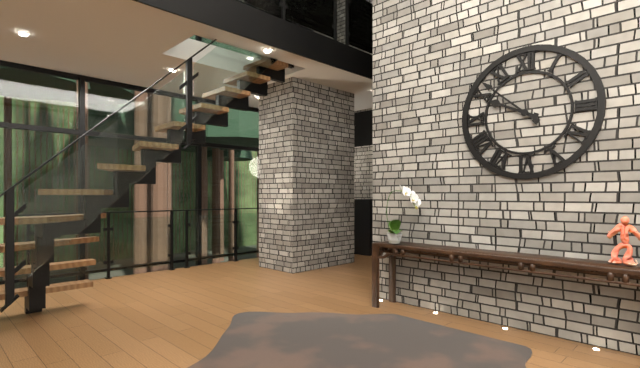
9:52
